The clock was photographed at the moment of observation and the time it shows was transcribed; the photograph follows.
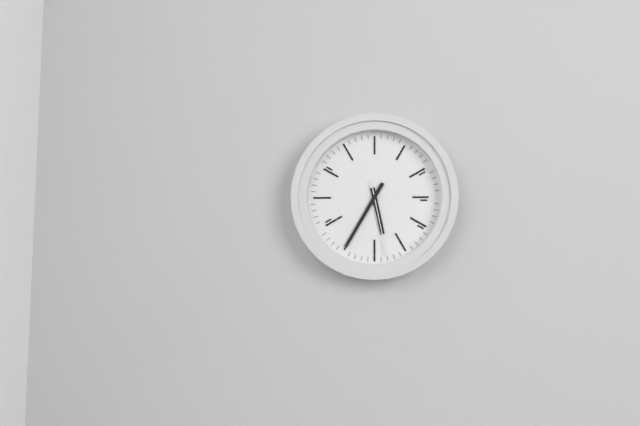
5:35:28
